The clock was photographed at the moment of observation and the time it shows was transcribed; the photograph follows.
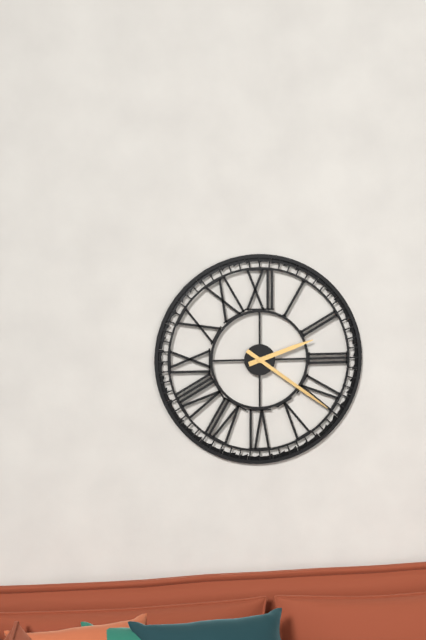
2:21
